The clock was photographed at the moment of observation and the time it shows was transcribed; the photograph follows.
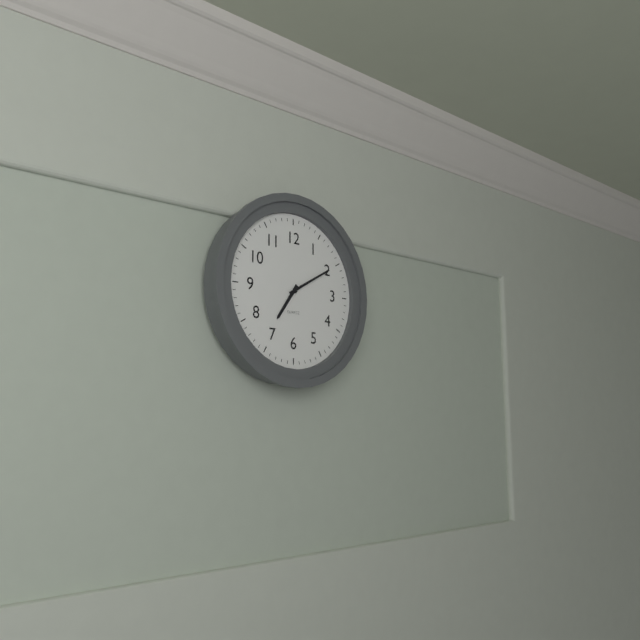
7:10
